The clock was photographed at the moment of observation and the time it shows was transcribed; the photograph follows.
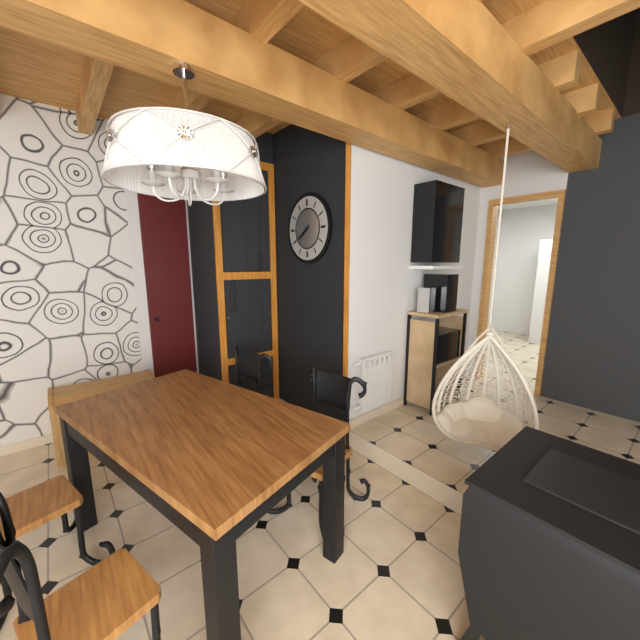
7:40
